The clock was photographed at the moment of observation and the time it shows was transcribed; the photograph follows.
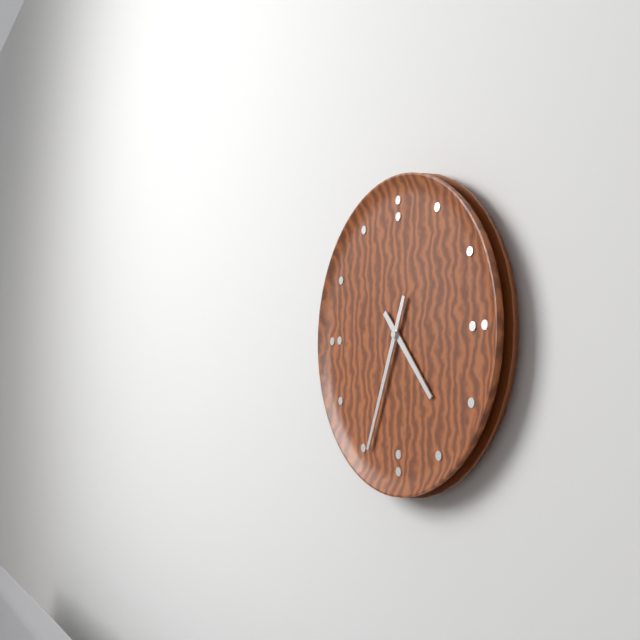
4:34
